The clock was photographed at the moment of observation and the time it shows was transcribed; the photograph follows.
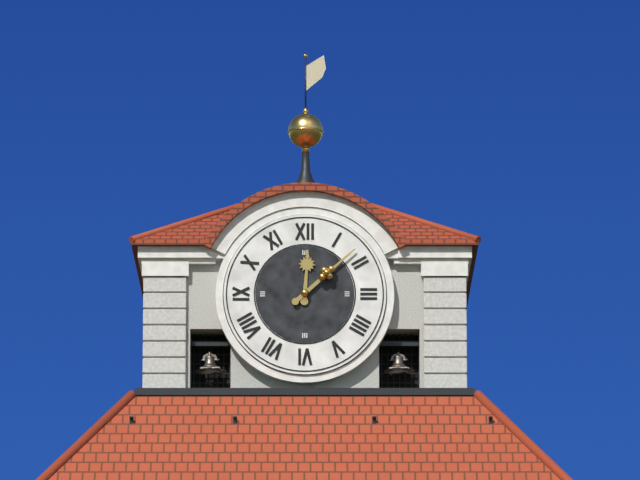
12:08
